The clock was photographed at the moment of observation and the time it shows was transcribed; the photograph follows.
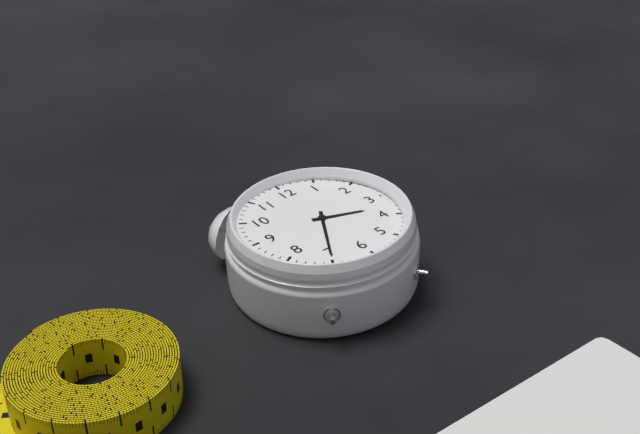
3:35
